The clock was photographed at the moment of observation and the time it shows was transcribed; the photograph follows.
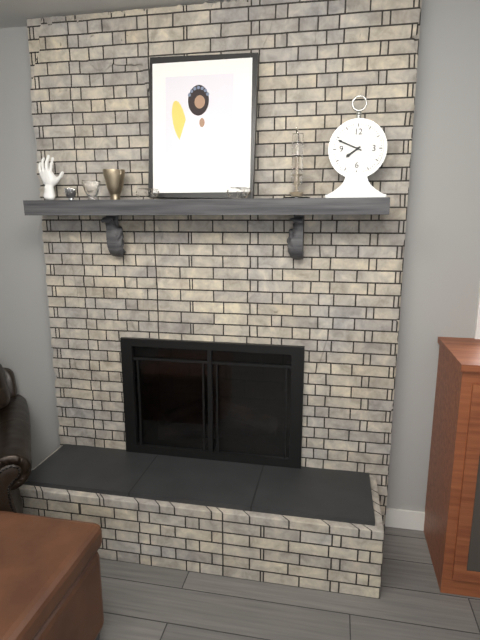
7:49
